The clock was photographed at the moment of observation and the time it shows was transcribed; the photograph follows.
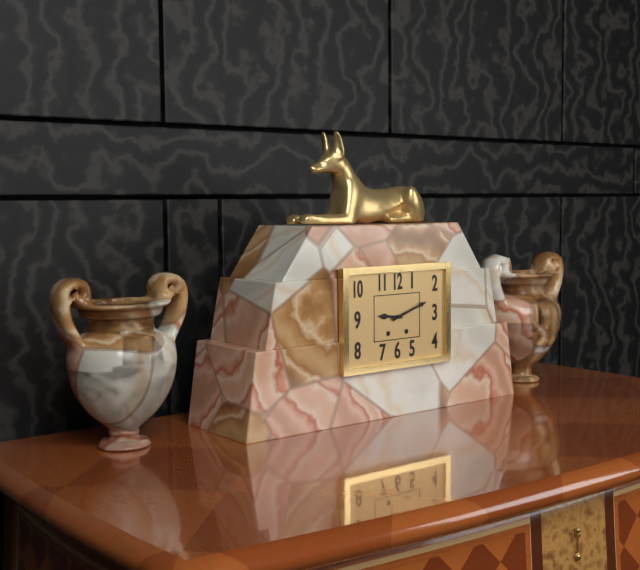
9:12
